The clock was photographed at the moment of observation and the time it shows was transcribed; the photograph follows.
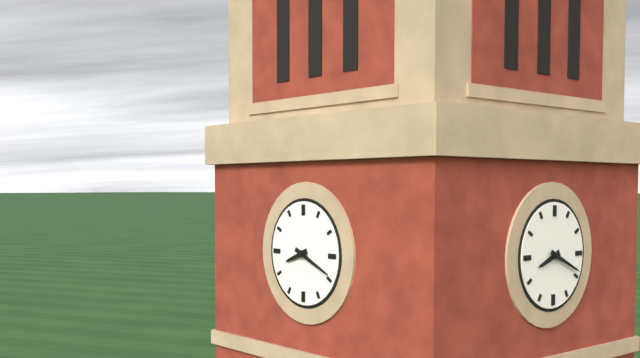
8:19
